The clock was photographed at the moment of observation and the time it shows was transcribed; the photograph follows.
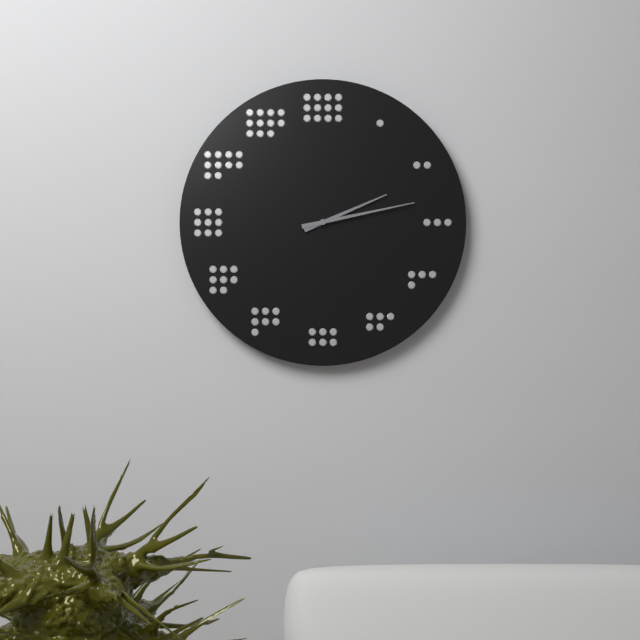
2:13
